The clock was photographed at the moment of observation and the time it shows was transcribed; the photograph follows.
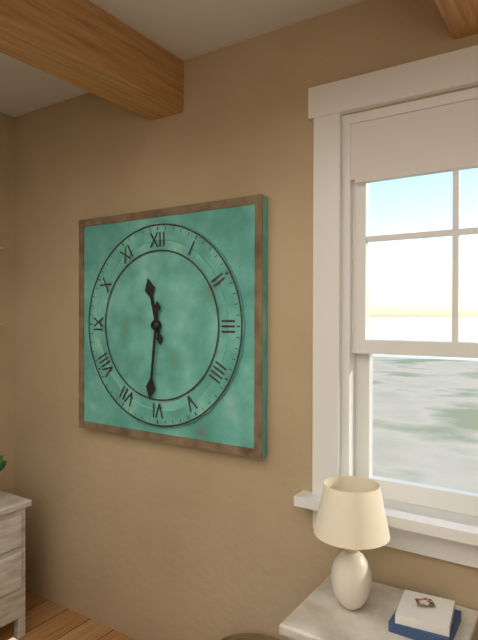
11:31
